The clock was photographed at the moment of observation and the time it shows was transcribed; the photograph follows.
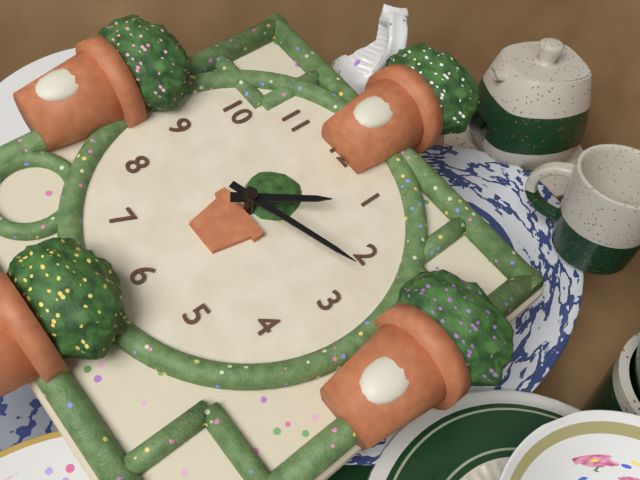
1:12
